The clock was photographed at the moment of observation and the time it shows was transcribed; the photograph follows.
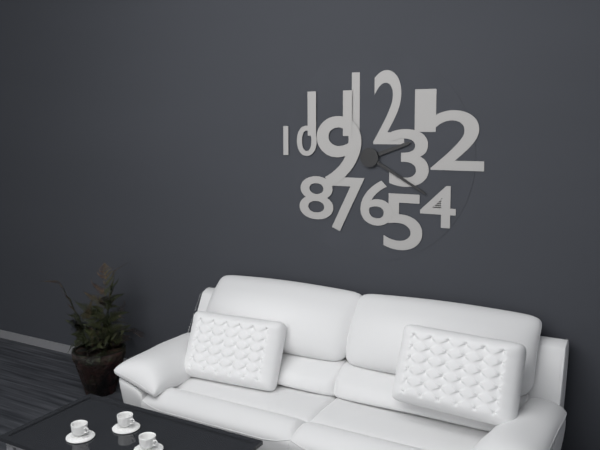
2:20
